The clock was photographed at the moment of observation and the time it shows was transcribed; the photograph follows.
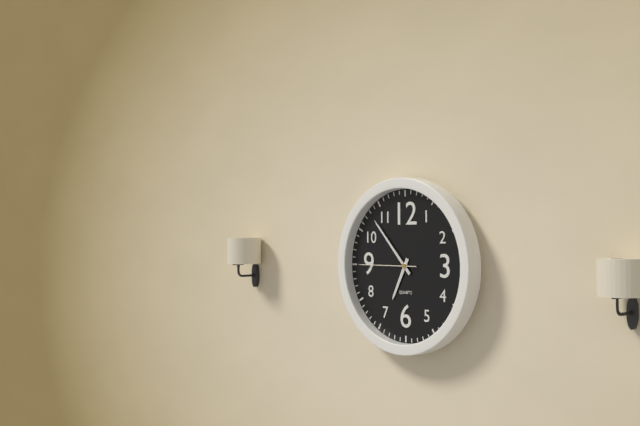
6:53:45
